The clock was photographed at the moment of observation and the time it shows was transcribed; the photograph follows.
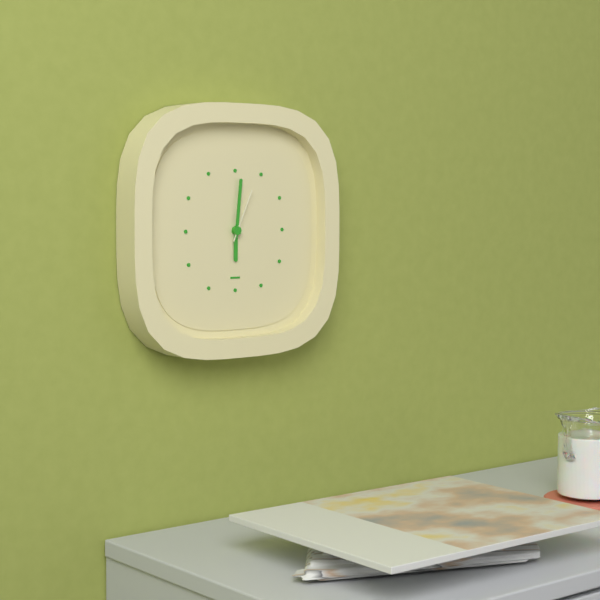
6:01:04
